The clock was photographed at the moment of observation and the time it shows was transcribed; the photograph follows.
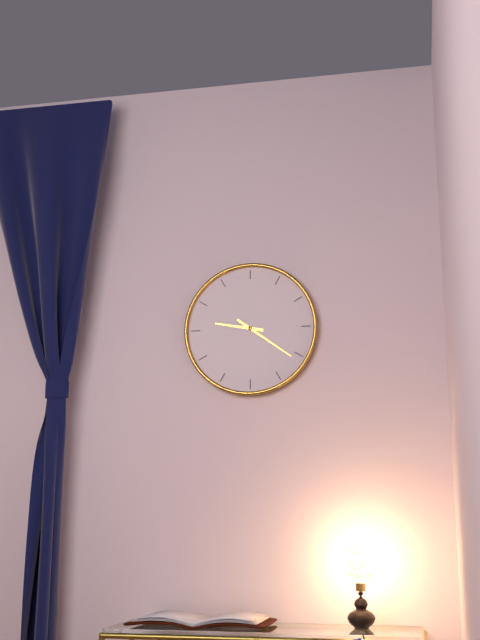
9:21
